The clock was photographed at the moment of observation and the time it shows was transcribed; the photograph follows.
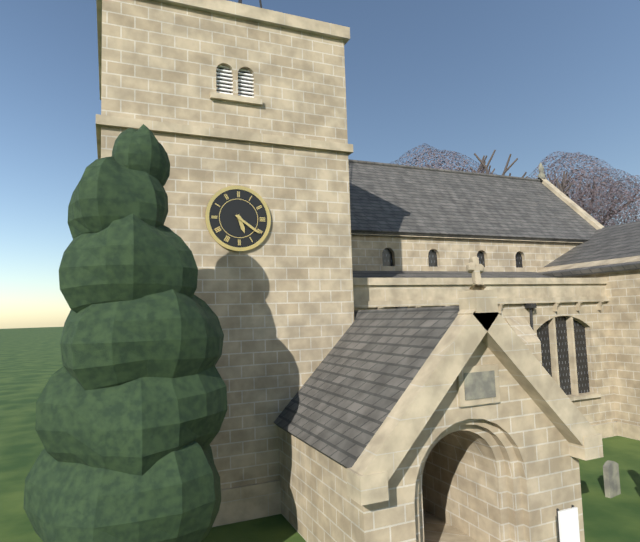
5:21
